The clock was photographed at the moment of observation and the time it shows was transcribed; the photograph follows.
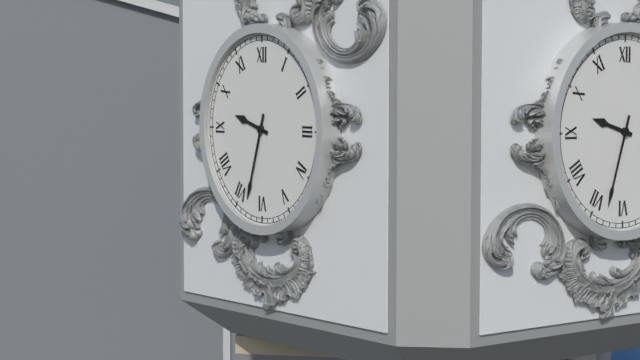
9:33
